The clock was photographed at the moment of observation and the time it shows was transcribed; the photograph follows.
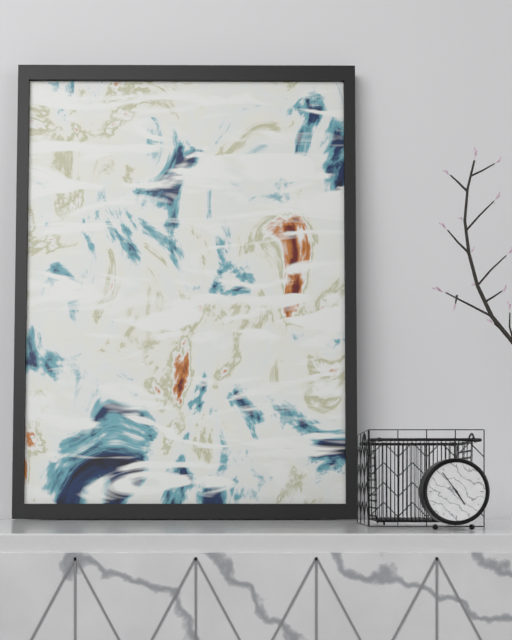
4:54
